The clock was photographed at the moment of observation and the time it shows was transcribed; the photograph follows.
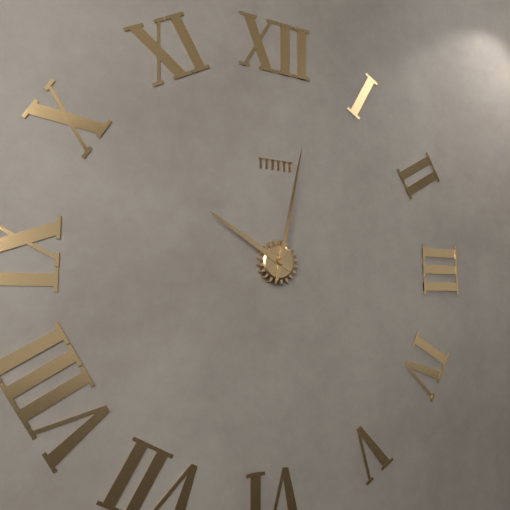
10:02
